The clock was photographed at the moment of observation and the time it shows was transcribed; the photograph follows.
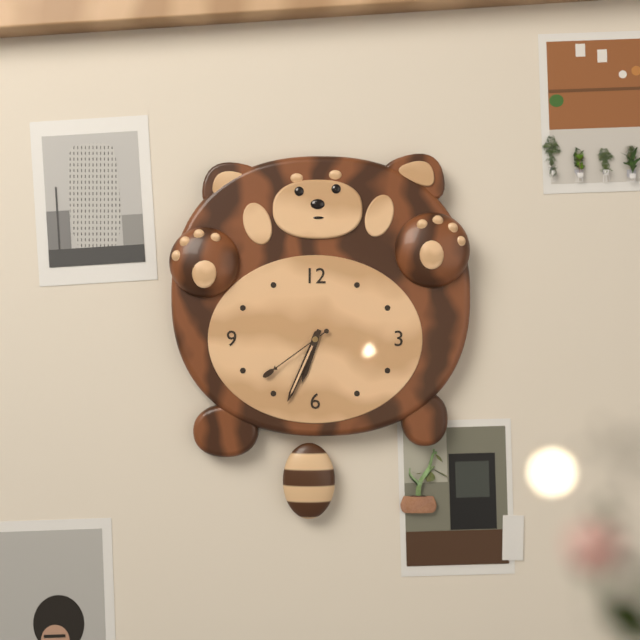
6:34:39
